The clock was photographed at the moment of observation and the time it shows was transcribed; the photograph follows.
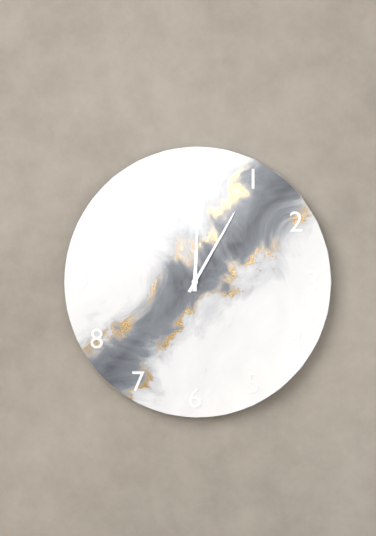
12:05
